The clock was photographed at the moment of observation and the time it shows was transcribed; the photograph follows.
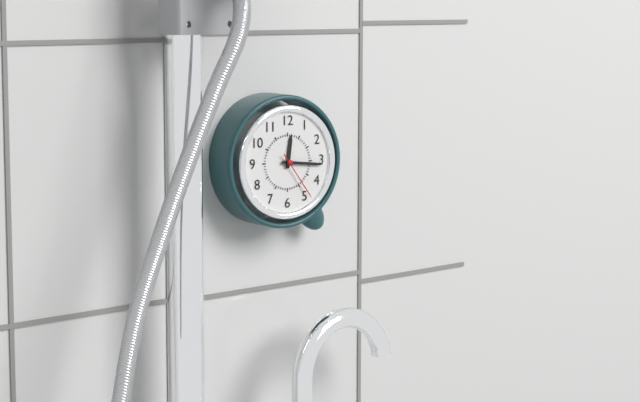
12:16:24
